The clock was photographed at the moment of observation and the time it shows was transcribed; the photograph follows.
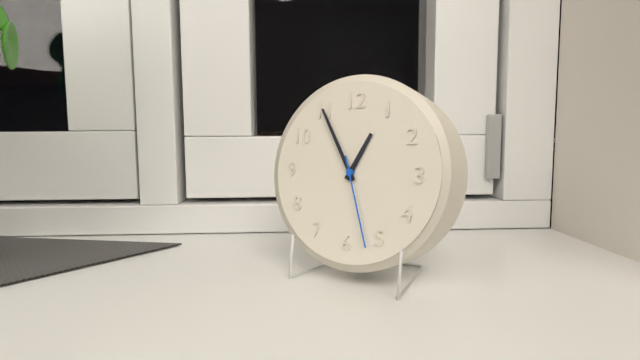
12:55:27
